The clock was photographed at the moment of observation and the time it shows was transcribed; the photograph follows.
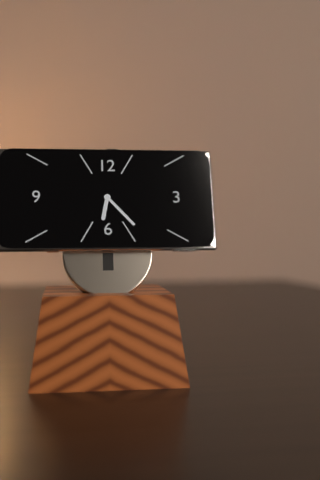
6:23
